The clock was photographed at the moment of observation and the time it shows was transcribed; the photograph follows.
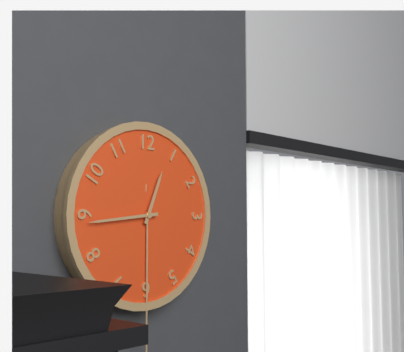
12:44
